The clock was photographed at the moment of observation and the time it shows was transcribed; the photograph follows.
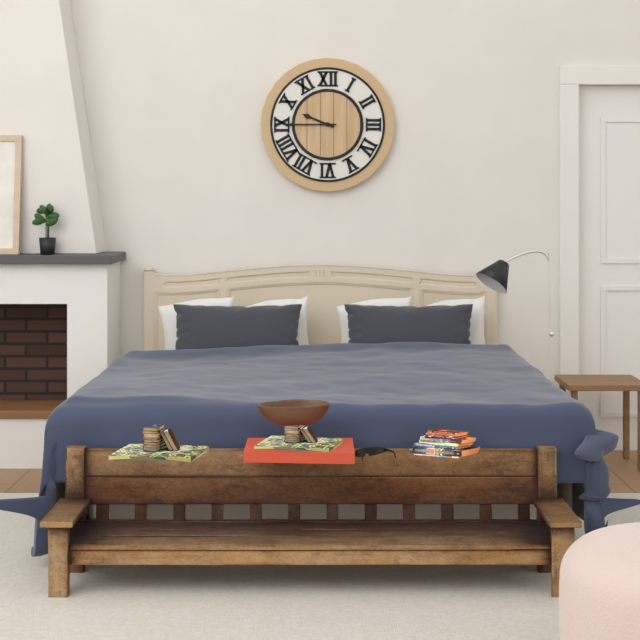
9:45
